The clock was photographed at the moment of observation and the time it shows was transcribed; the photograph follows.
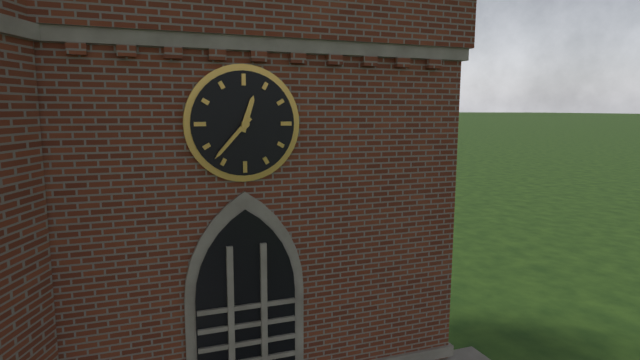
12:37
